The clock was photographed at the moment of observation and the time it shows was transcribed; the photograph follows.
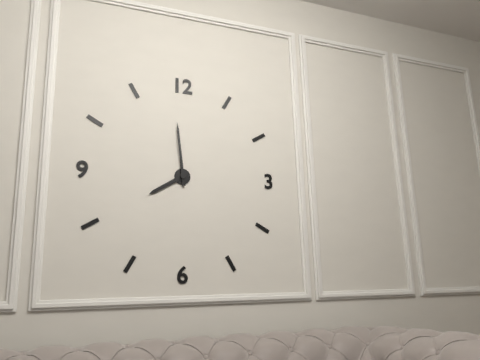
7:59
